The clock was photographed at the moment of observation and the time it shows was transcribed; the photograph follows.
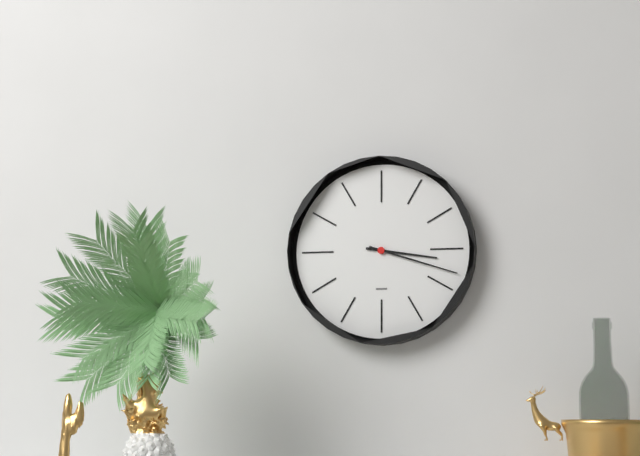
3:18
